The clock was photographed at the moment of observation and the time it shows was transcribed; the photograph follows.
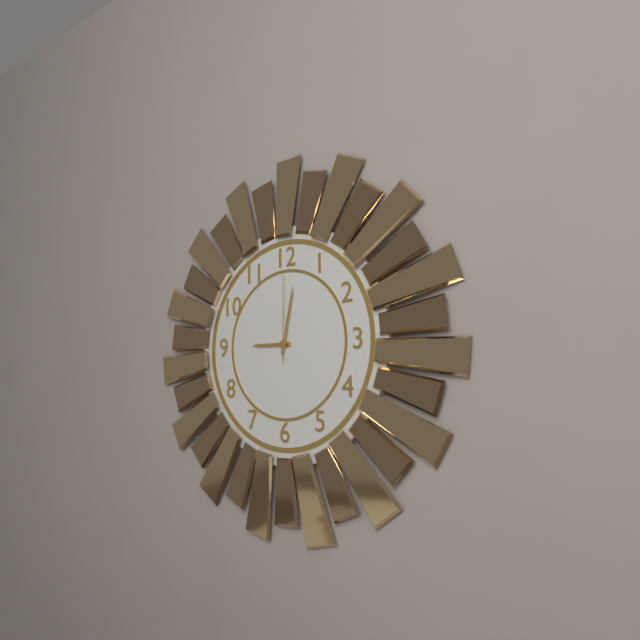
9:02:00
